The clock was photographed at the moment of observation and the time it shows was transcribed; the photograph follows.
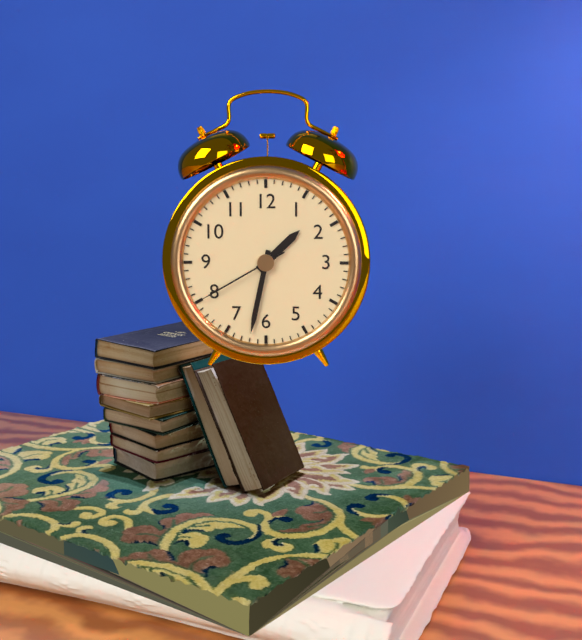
1:32:40
